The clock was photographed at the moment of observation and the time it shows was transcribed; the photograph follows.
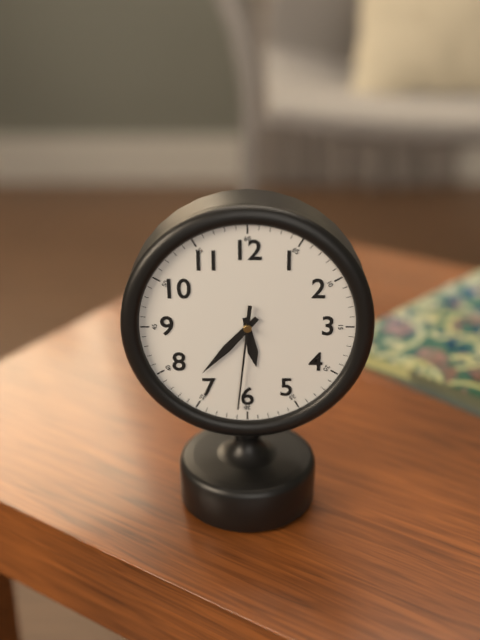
5:37:31
